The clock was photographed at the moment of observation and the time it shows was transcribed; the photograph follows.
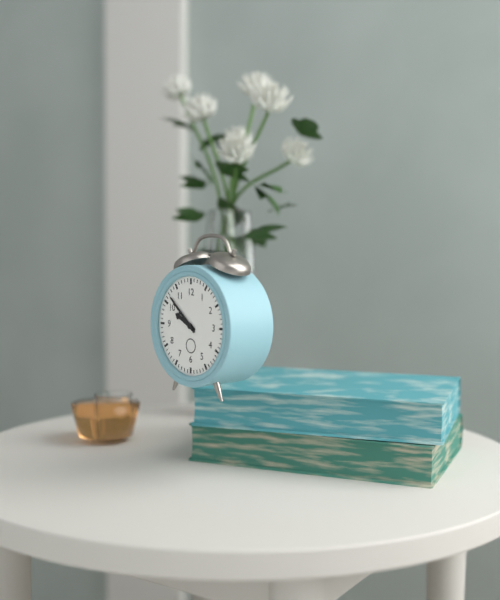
9:52
